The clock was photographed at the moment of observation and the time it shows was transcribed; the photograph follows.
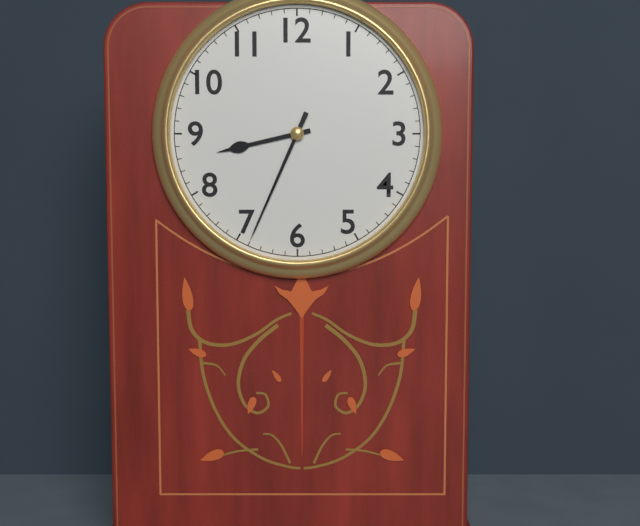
8:34
